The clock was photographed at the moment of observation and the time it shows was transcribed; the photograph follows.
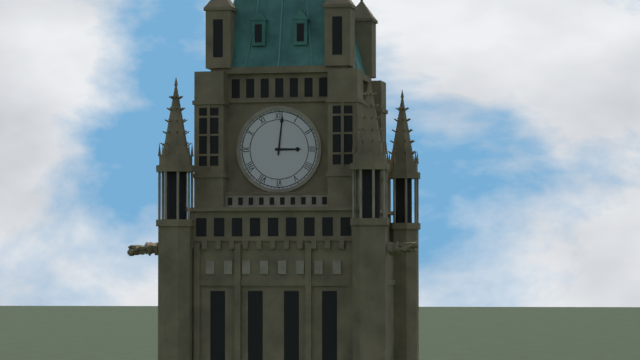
3:01
